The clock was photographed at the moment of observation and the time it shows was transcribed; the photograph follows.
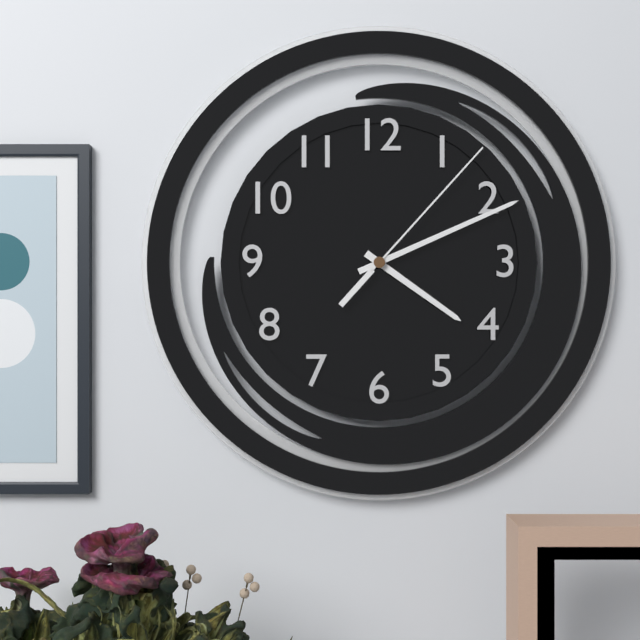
4:11:07
